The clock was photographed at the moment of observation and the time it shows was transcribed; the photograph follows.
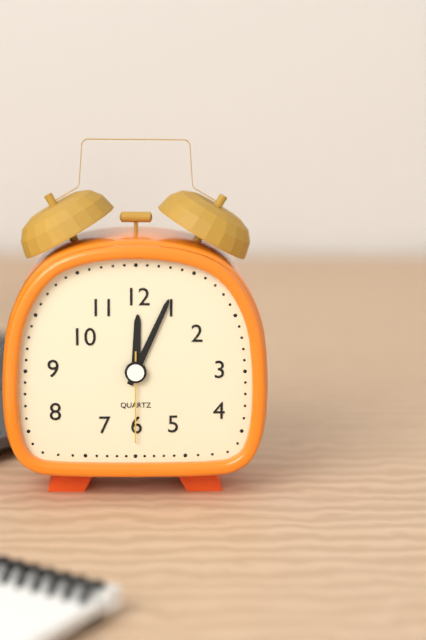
12:04:30
